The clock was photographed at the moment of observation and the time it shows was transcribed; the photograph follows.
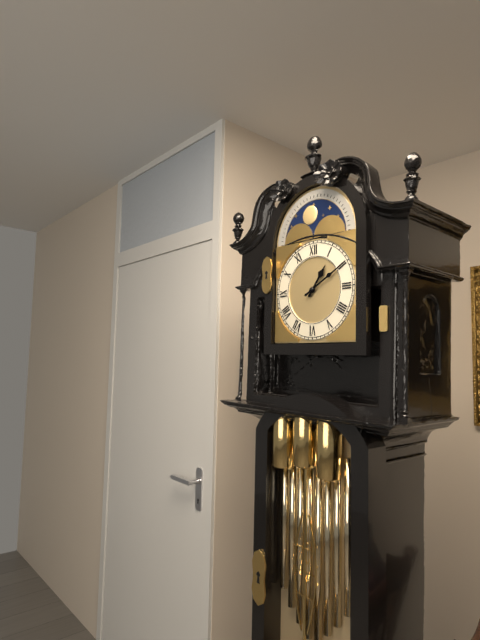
1:10
